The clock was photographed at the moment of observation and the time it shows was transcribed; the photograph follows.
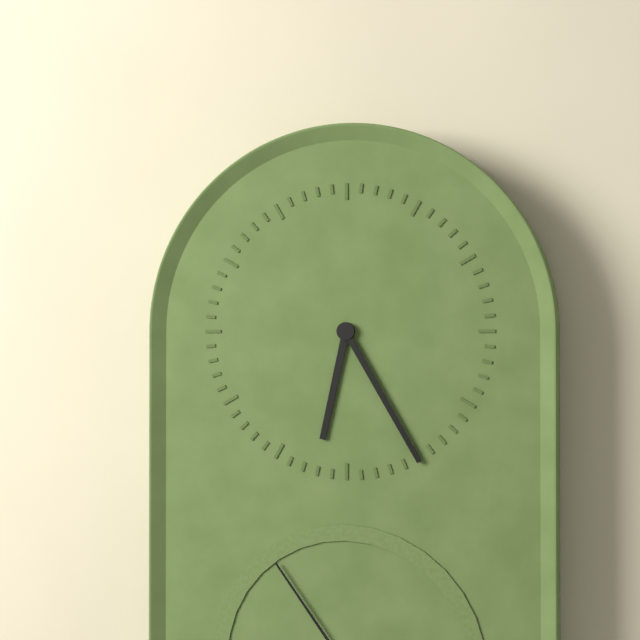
6:25:54
